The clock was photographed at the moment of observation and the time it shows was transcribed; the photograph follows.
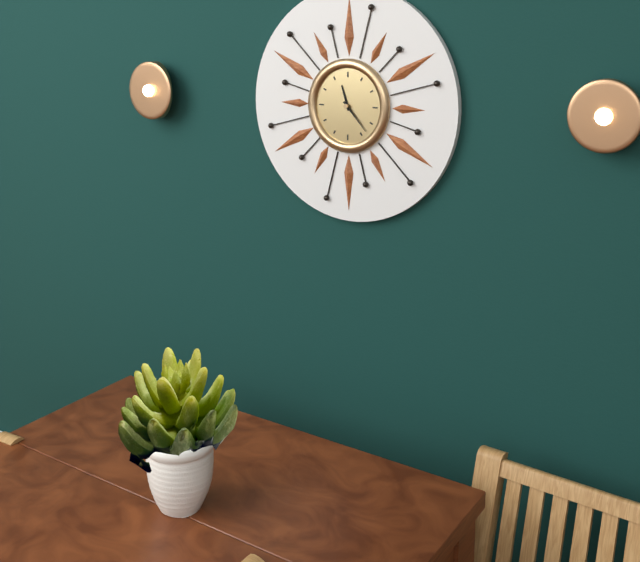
11:23
